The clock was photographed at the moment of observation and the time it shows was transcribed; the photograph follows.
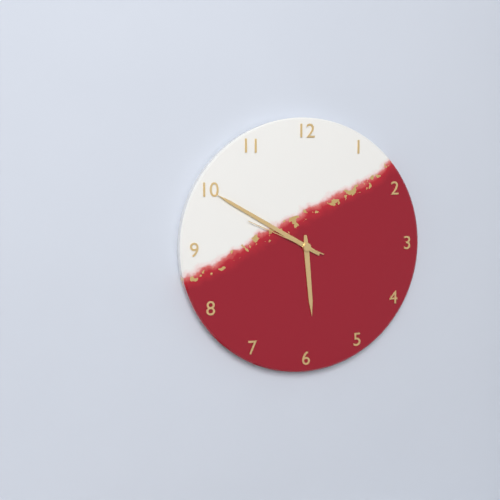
5:50:49
